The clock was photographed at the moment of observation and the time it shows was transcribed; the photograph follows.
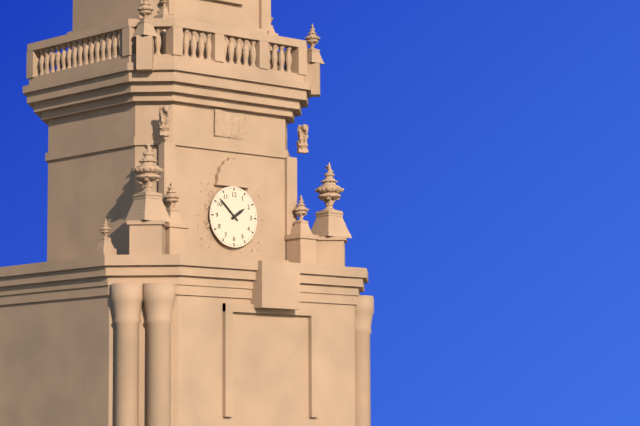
1:52
